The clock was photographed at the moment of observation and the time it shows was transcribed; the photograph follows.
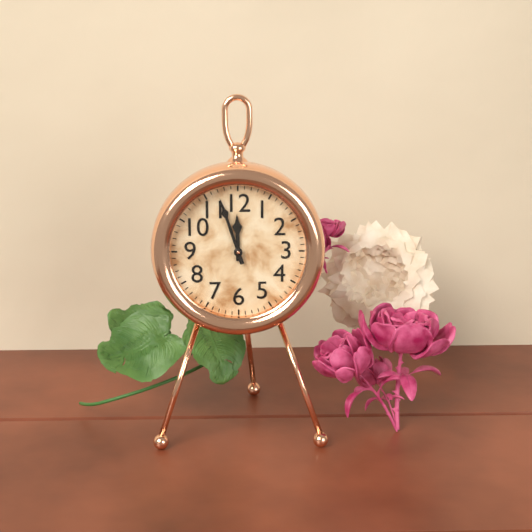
11:57
